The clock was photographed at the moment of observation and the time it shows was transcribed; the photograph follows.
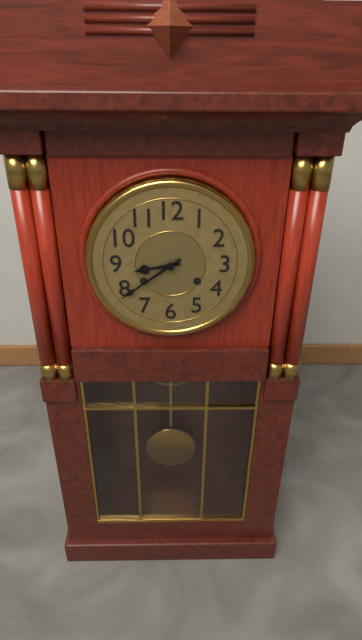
8:39
